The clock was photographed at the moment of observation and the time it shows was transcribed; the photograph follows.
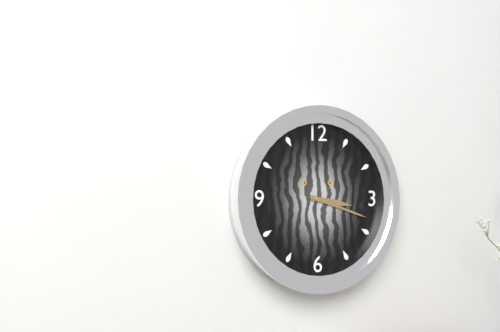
3:18
